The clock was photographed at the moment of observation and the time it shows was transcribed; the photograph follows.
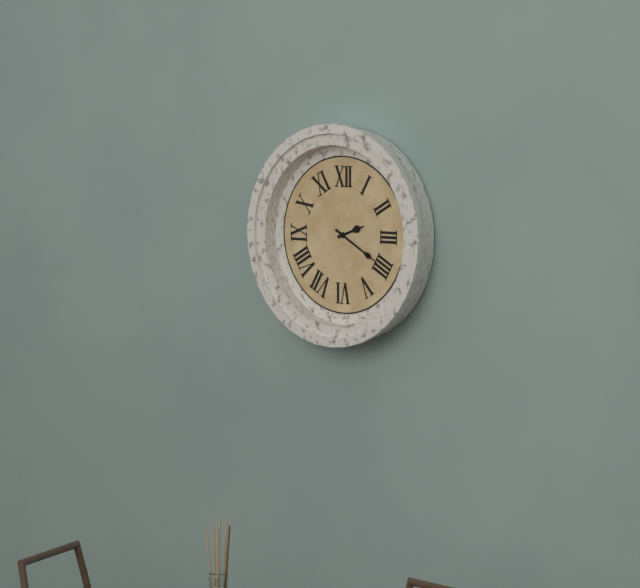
2:20
